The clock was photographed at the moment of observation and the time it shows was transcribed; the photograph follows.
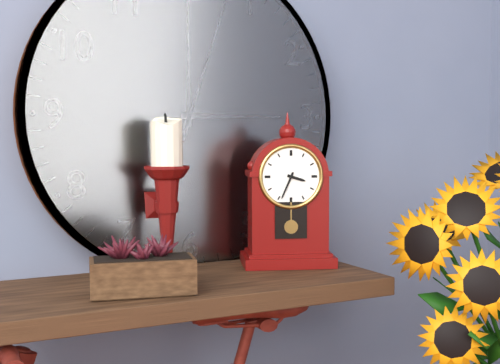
3:34
